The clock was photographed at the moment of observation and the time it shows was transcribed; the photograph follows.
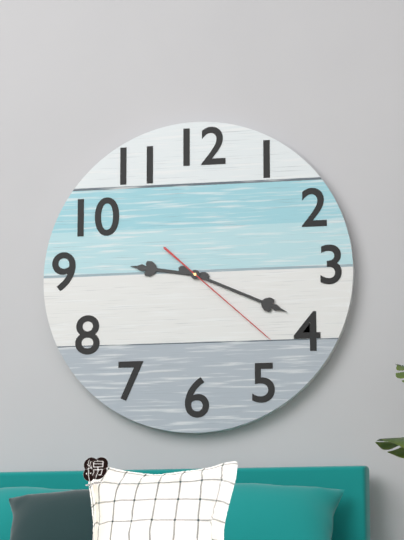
9:19:22
